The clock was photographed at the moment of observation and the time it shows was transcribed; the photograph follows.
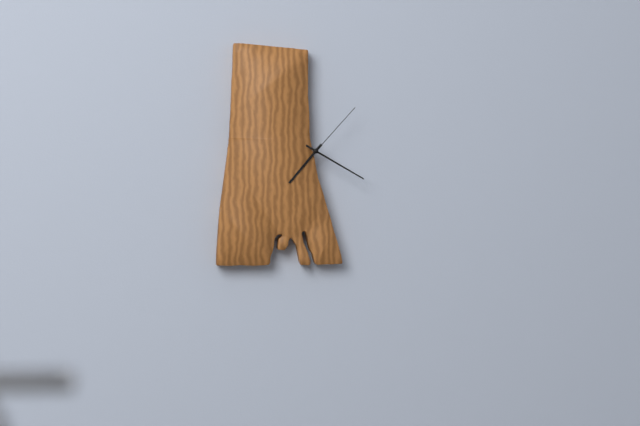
7:20:07
